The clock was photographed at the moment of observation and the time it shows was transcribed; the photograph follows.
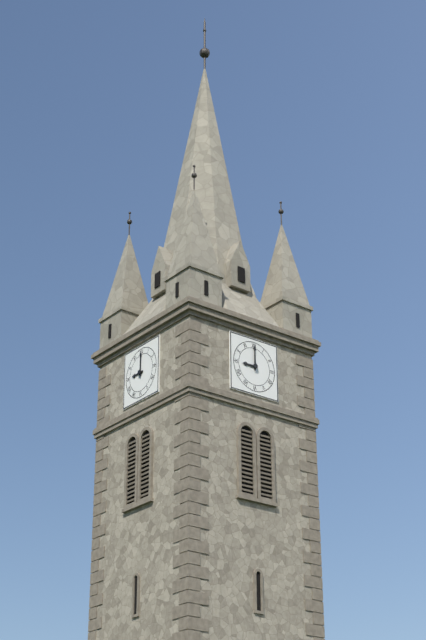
9:00
